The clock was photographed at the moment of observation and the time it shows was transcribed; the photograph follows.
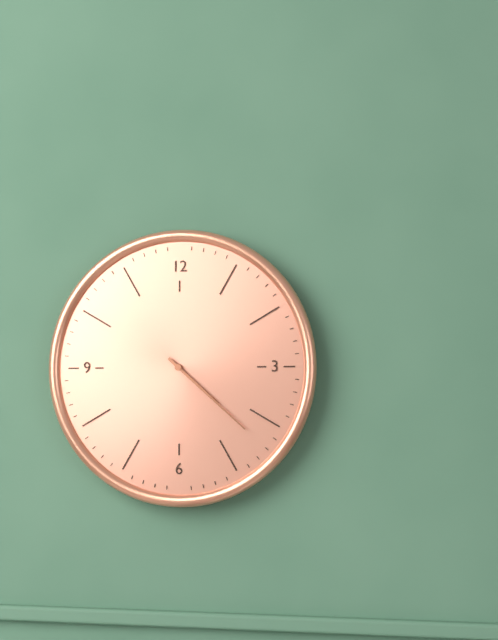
4:22
